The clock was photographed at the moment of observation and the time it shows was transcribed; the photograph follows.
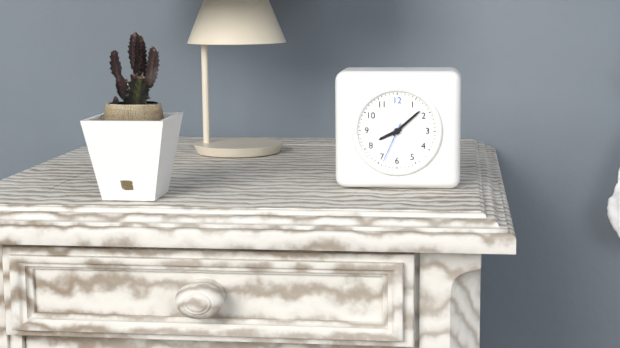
8:08
